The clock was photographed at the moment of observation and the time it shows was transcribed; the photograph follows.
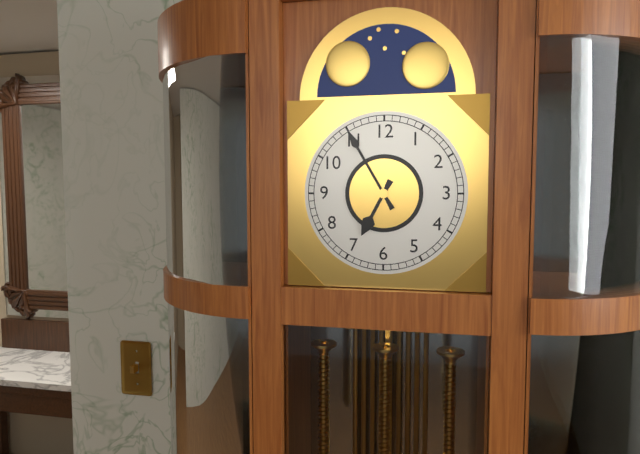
6:55
